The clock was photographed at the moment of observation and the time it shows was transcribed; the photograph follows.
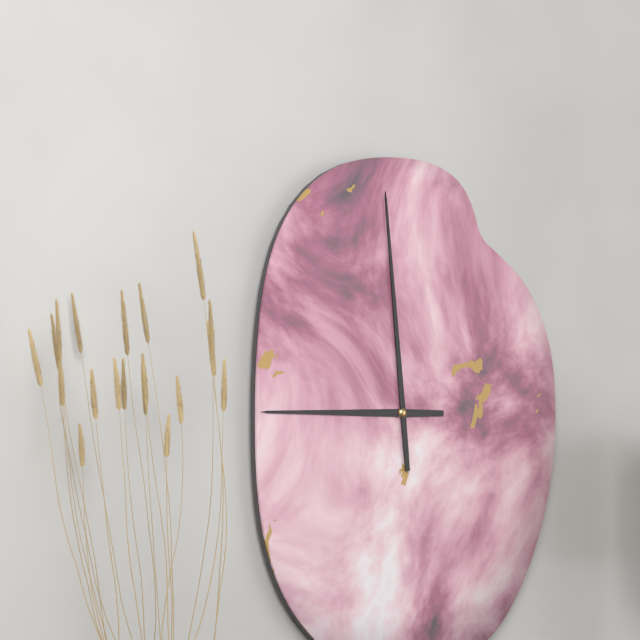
8:59
